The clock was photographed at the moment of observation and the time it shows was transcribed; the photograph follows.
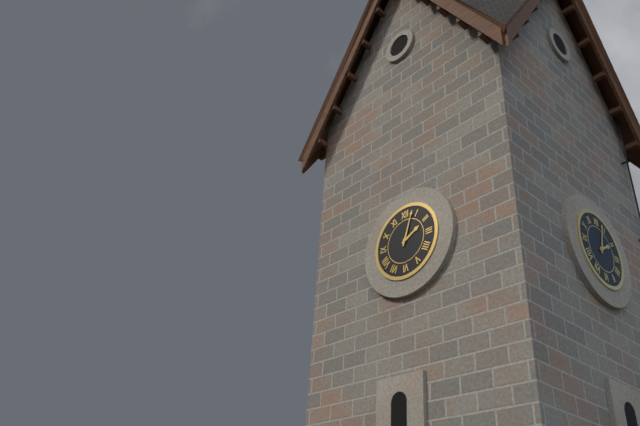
2:03
